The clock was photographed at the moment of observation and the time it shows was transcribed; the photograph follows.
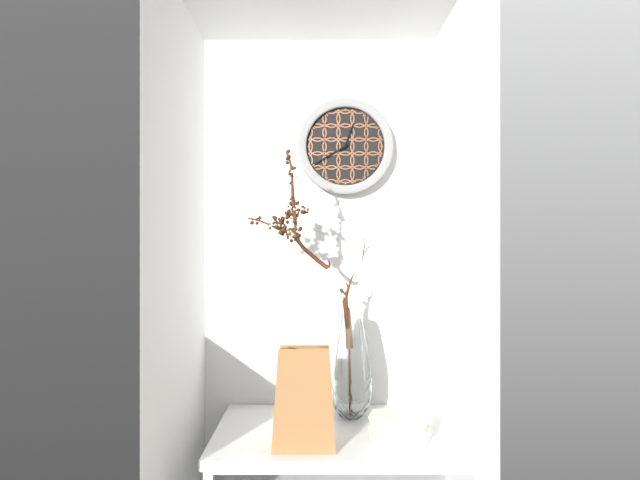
12:40
